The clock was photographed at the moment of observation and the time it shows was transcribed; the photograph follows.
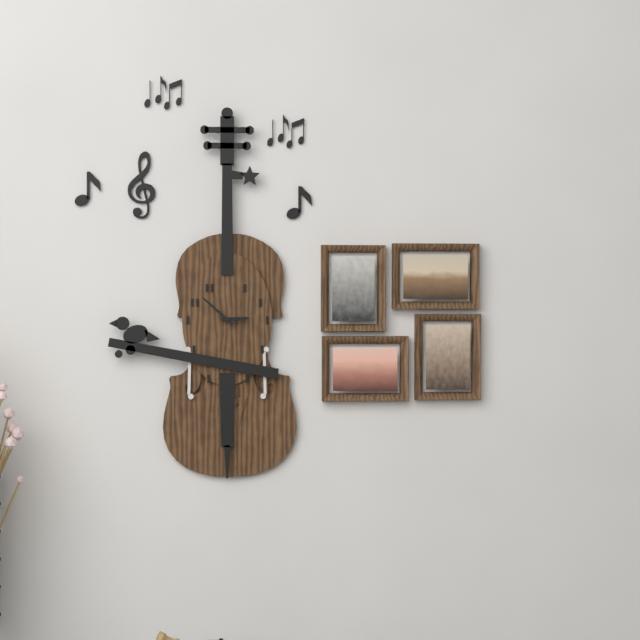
2:52
